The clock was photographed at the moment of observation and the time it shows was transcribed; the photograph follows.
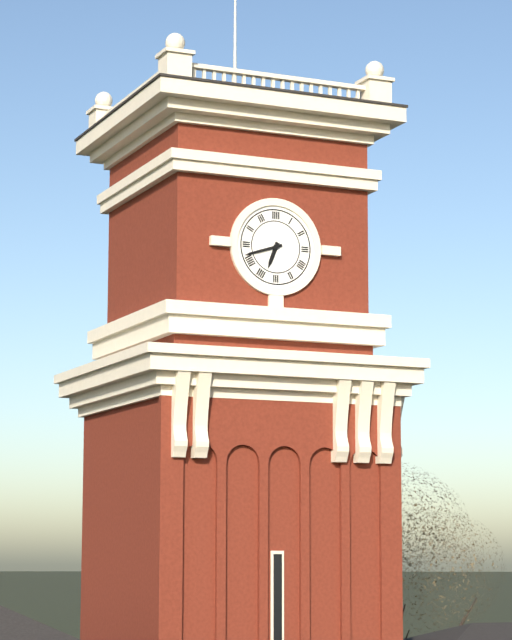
6:42
